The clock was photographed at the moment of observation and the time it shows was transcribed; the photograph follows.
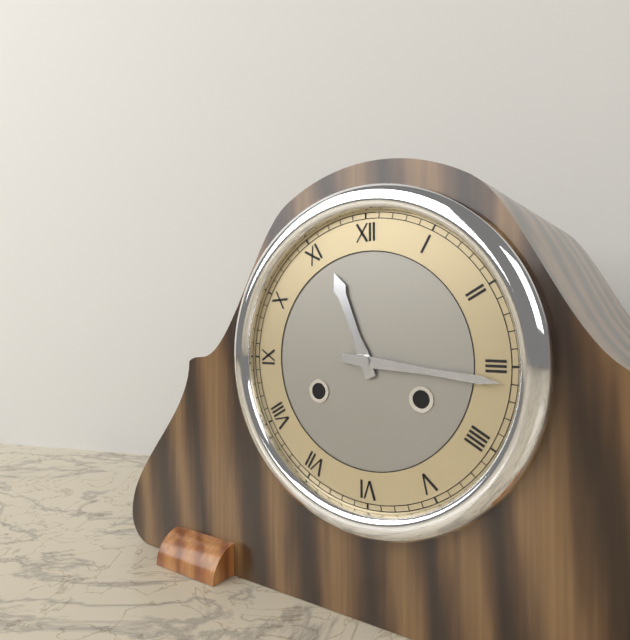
11:16
